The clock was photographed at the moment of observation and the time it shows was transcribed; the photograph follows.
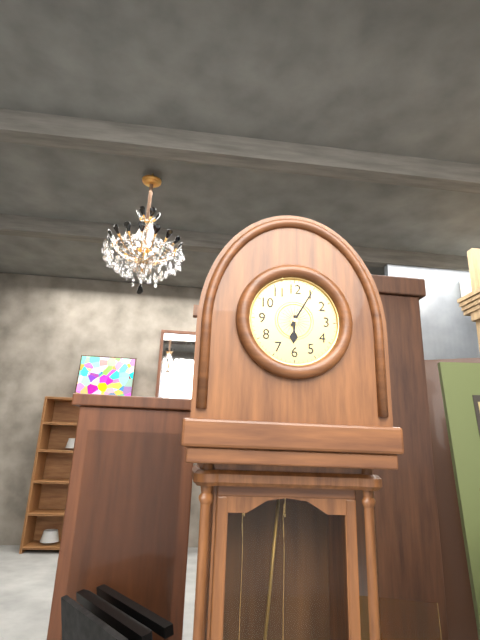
6:05
